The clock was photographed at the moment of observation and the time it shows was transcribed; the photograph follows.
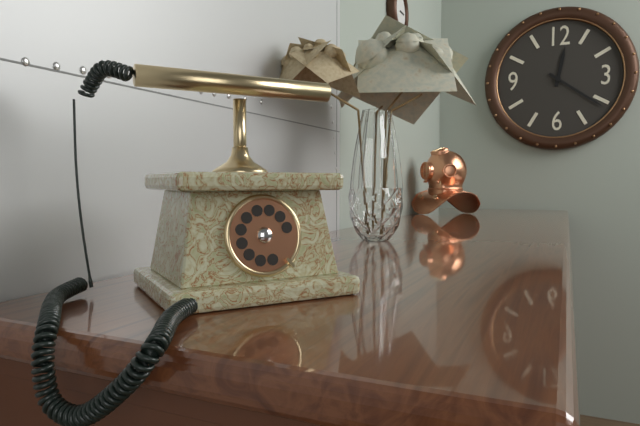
12:21
